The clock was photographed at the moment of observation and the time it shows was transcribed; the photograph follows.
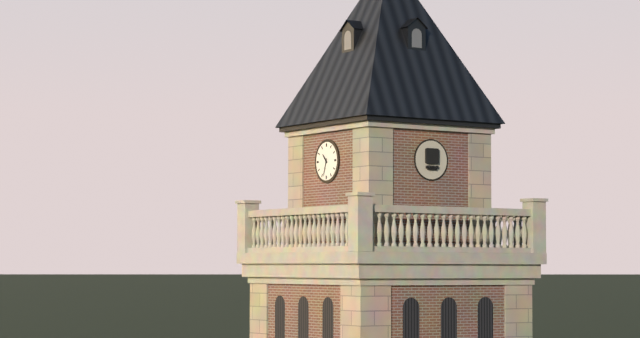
10:33
